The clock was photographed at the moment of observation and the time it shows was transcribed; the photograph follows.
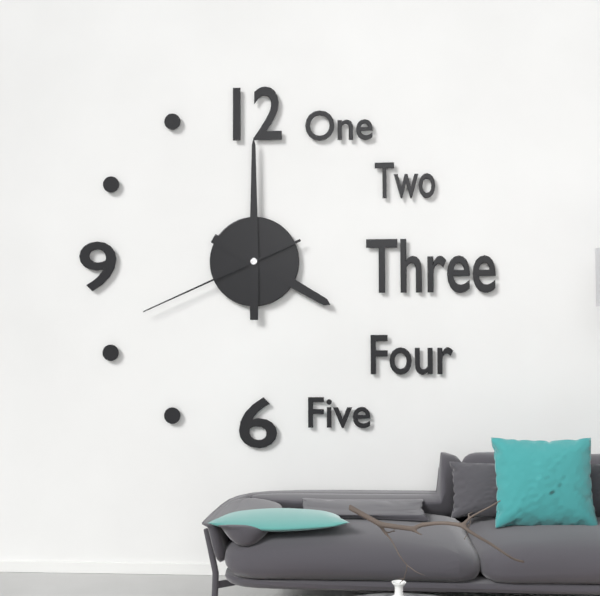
4:00:41
